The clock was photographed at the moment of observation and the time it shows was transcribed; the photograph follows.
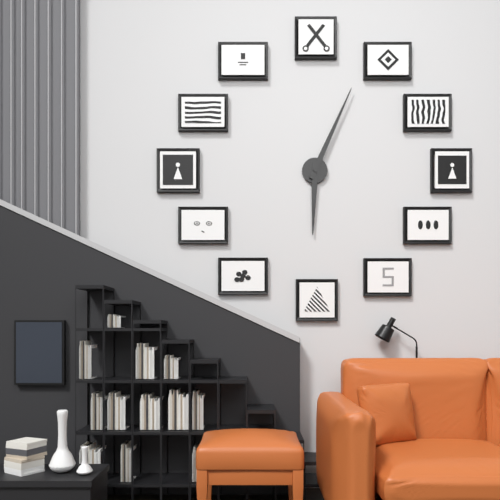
6:04
